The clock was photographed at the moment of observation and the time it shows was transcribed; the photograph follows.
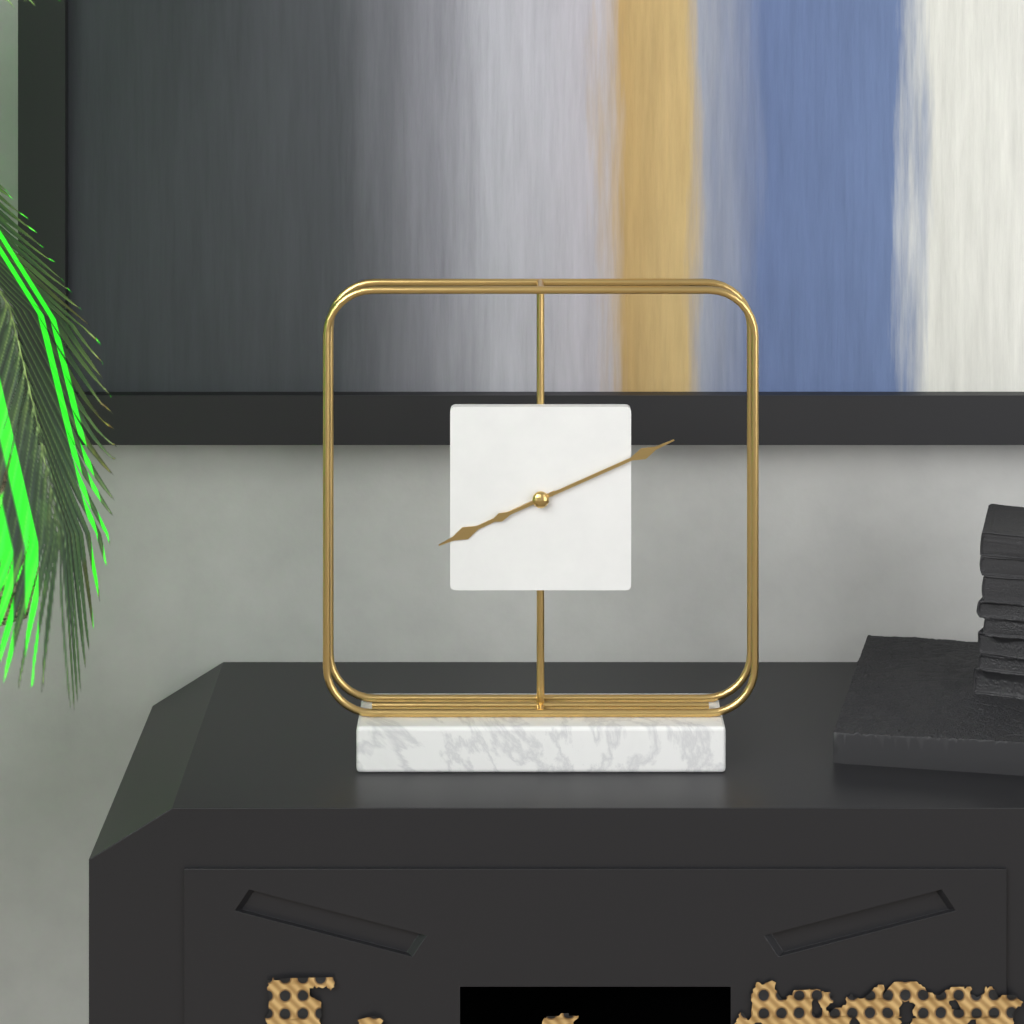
8:11
